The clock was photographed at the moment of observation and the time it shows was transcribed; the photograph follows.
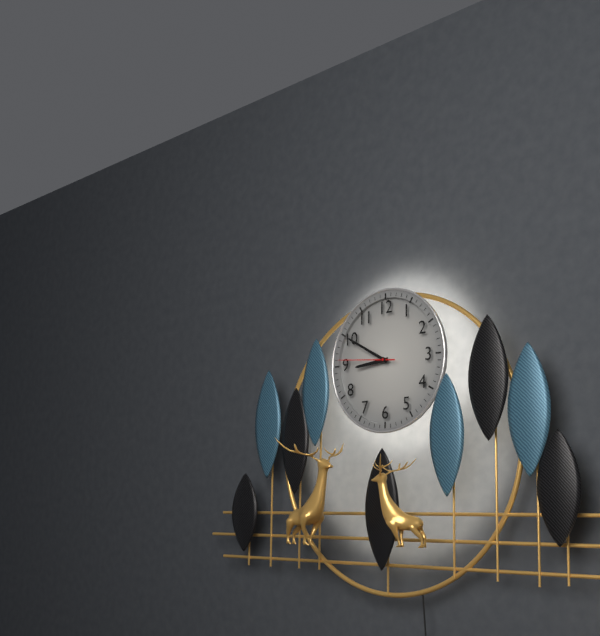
8:50:46
